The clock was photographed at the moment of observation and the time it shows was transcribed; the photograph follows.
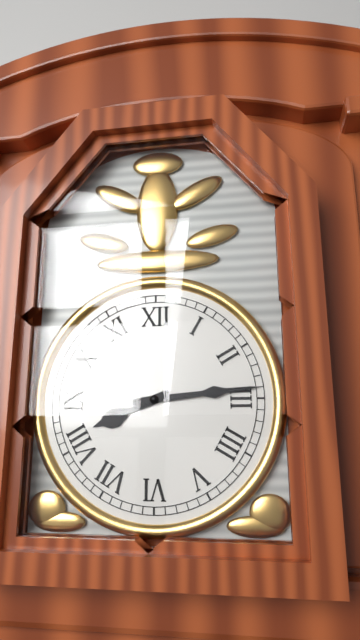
8:14
